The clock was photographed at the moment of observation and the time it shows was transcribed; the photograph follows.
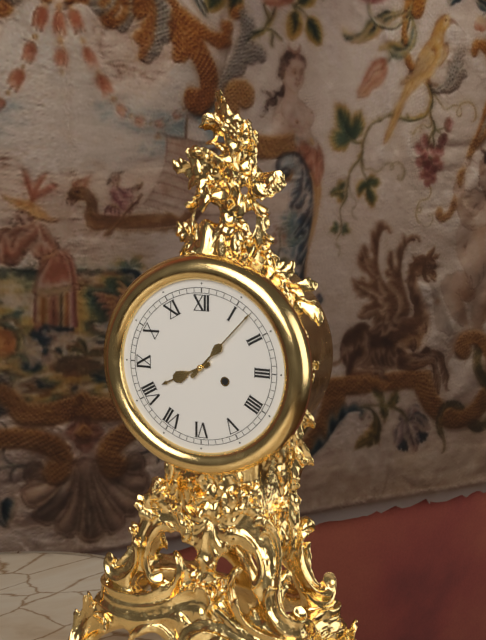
8:07
